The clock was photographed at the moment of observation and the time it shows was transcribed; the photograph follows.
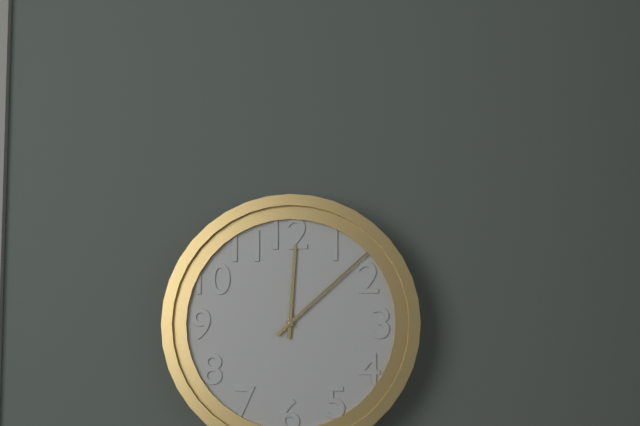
12:08
